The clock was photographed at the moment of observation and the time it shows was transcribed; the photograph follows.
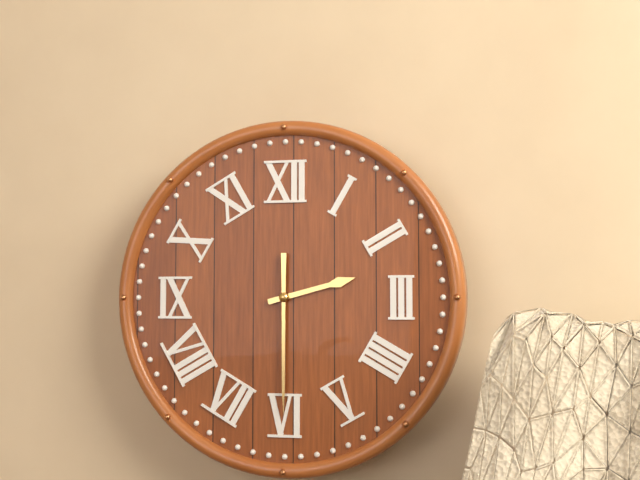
2:30
